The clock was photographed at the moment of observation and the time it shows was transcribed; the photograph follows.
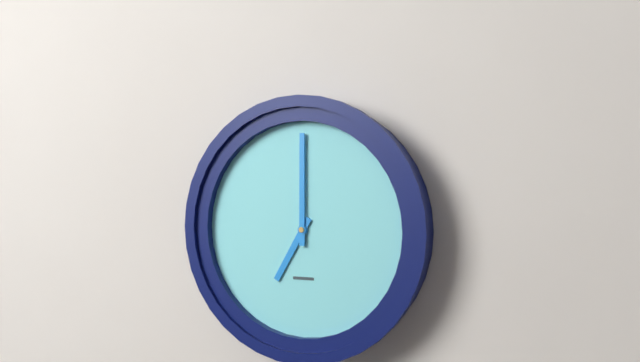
7:00
